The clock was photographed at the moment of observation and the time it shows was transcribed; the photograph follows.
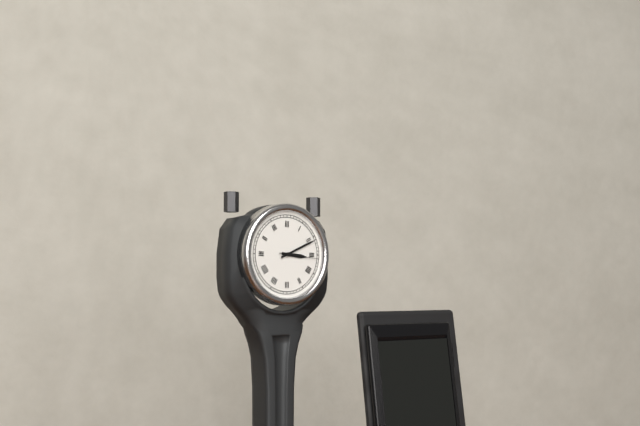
3:11
